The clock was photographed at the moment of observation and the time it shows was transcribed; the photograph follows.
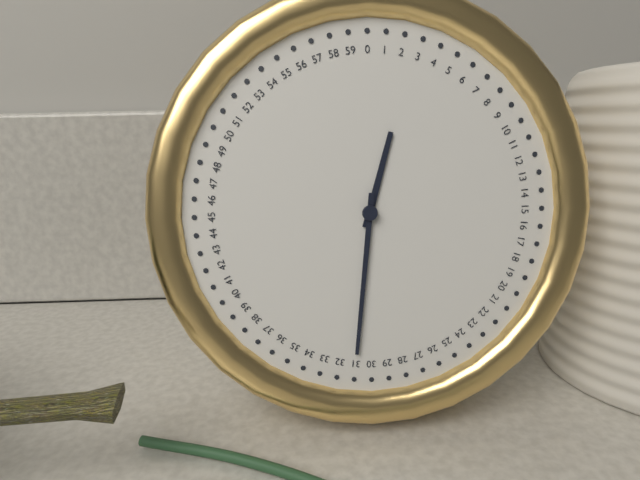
12:31
